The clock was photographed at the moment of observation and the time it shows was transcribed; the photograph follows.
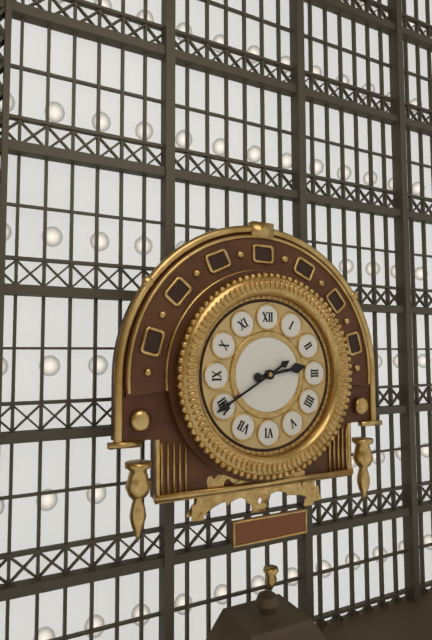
2:40
